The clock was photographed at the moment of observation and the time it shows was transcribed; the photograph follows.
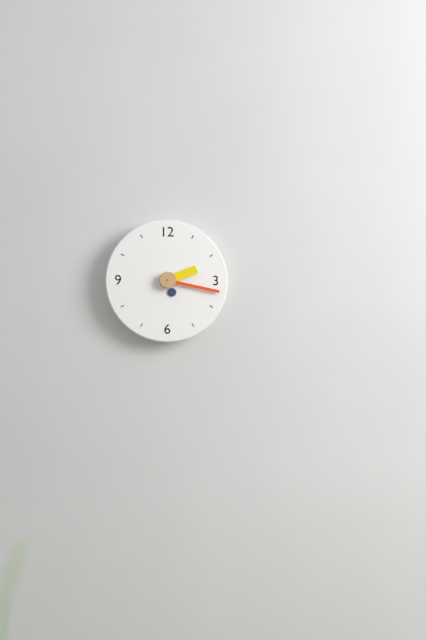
2:17
